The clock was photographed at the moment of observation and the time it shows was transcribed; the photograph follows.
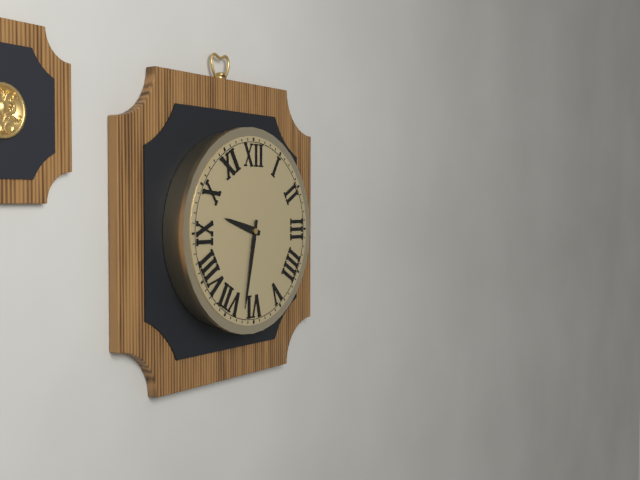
9:32
